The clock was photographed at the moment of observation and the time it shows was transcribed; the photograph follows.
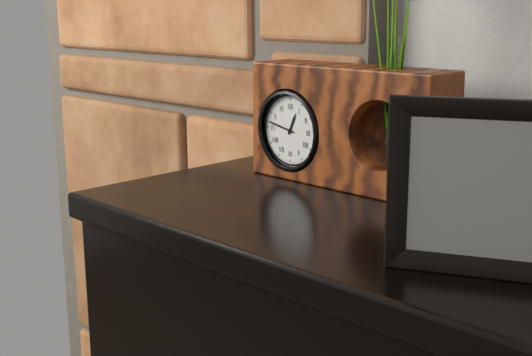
12:47
